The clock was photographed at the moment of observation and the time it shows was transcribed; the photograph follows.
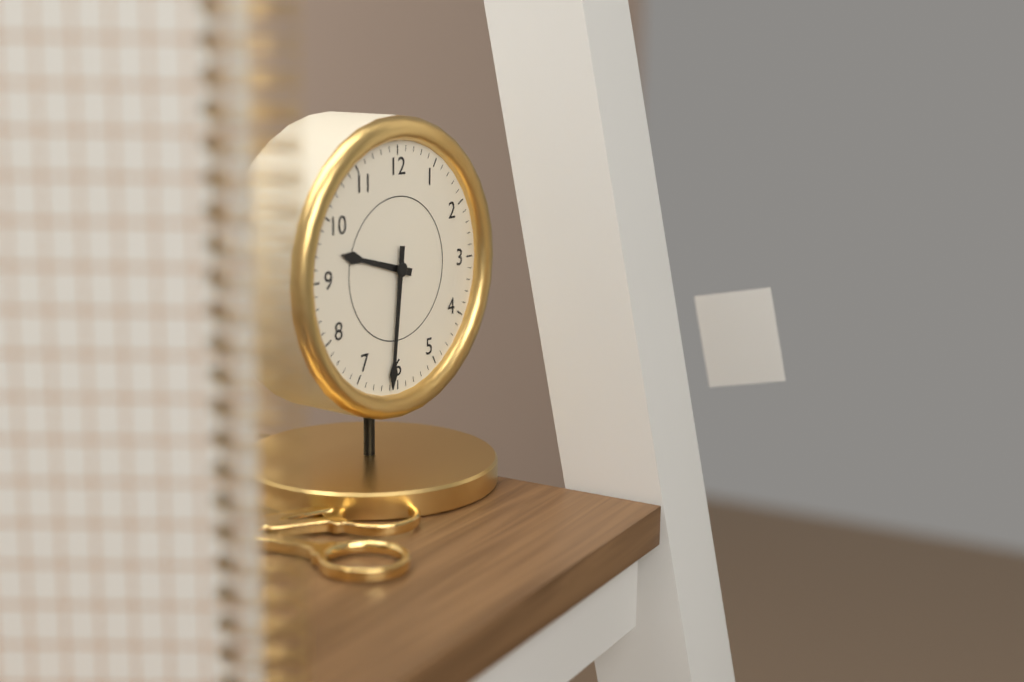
9:31
